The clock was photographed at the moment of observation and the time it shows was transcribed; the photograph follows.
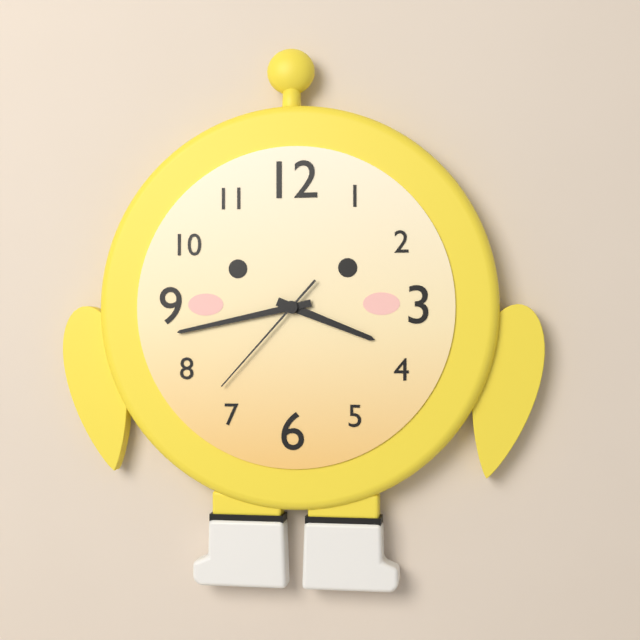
3:43:37
